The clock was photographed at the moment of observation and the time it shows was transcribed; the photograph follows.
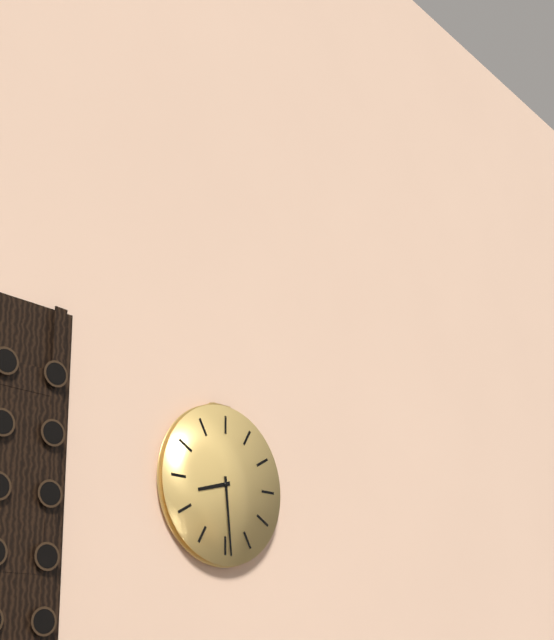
8:29
